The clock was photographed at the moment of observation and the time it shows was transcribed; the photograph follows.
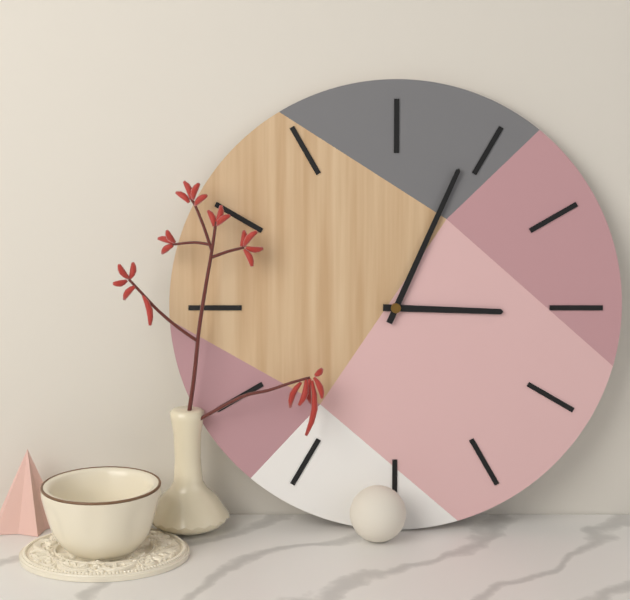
3:04
